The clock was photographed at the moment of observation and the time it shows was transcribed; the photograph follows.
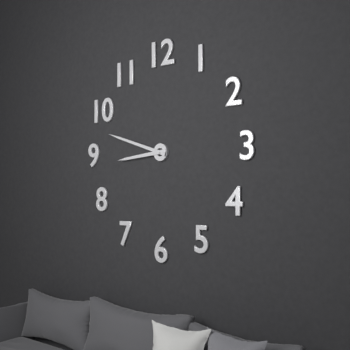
8:48
